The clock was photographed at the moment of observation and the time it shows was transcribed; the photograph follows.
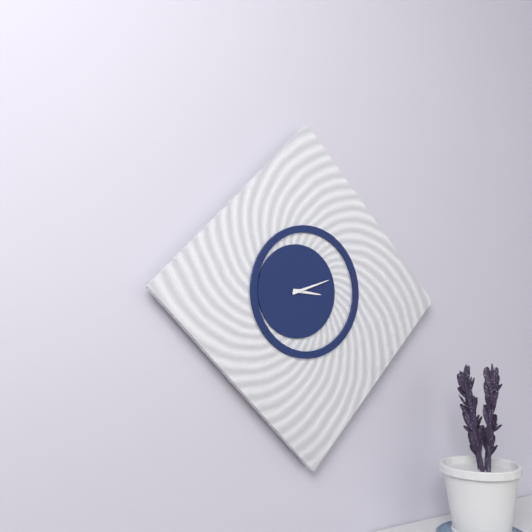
3:12
